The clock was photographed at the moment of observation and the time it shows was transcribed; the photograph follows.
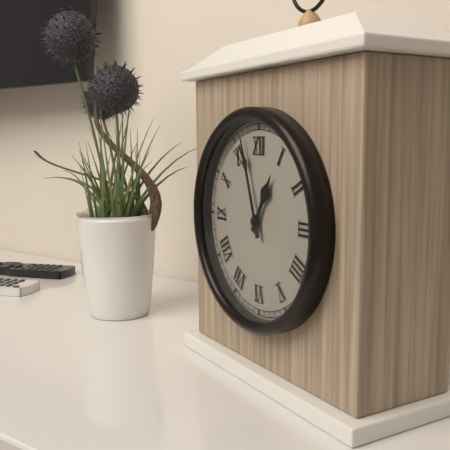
12:57
